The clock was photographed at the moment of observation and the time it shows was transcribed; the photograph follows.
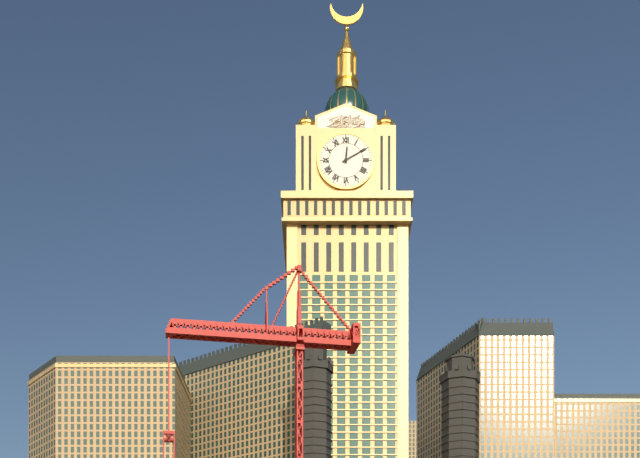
12:10
